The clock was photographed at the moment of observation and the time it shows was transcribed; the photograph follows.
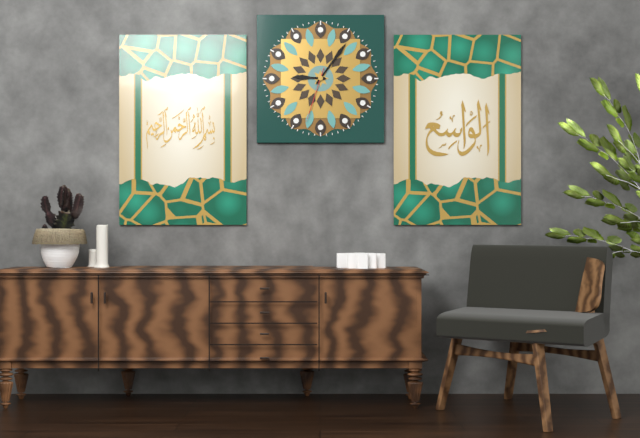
9:06:33
